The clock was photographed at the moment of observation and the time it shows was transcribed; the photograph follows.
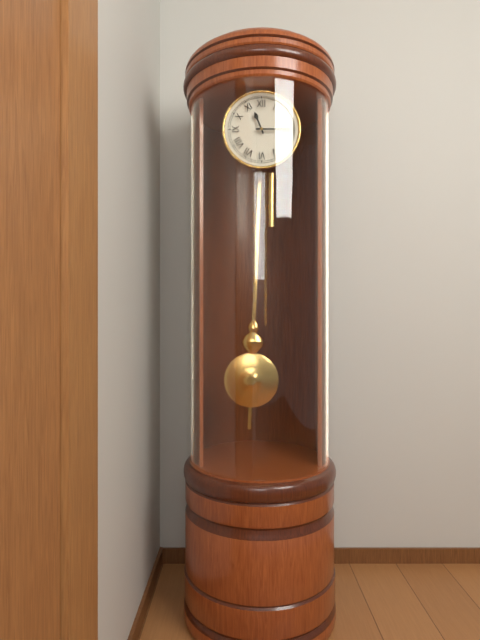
11:15
